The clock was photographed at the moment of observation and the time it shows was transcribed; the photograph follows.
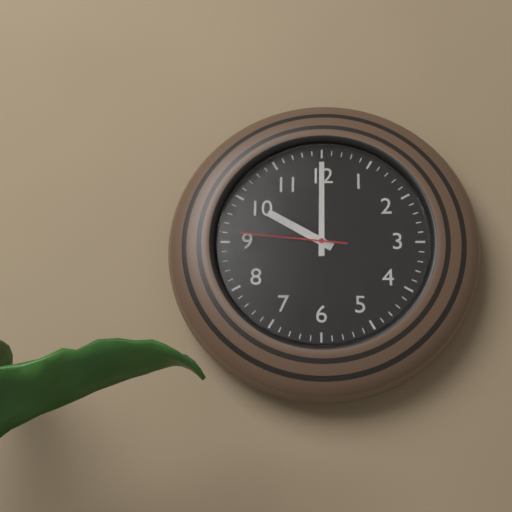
10:00:46
